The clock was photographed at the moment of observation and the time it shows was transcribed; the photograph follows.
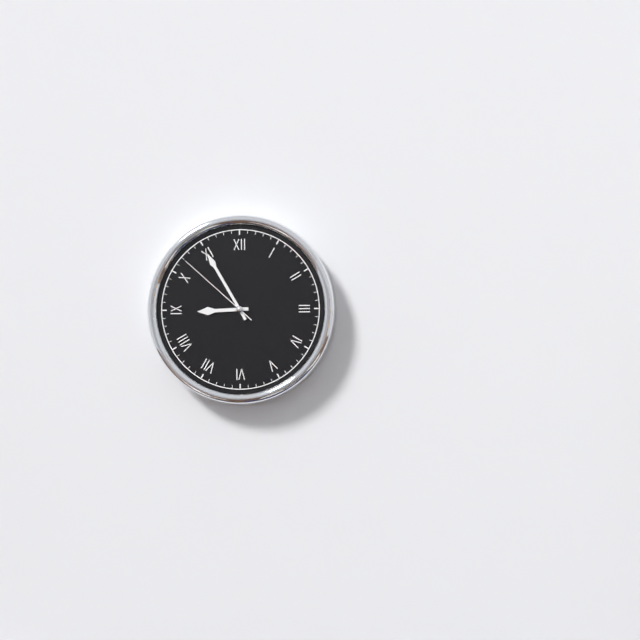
8:55:52
